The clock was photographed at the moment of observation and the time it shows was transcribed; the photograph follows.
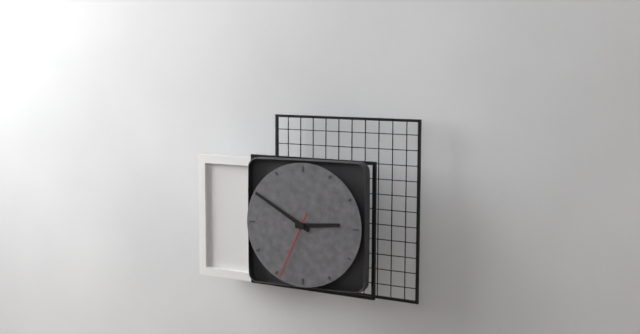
2:50:34
